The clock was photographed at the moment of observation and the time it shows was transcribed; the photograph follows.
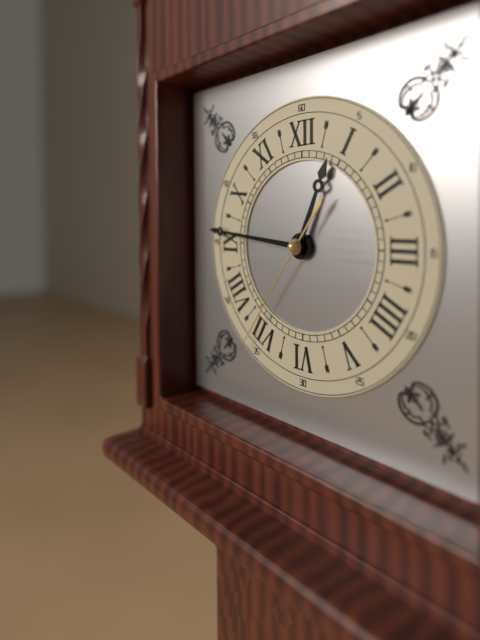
12:46:36
